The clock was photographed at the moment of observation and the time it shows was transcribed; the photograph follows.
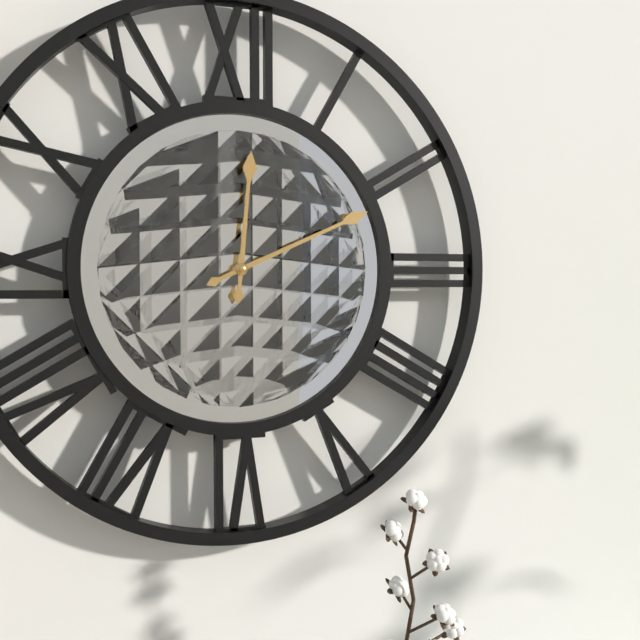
12:11
